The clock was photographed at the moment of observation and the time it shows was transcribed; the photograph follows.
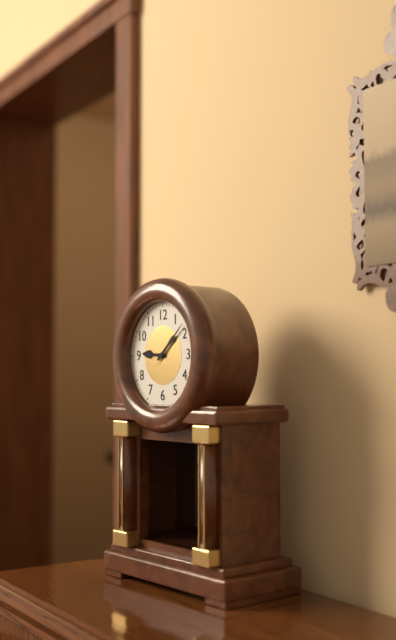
9:08
